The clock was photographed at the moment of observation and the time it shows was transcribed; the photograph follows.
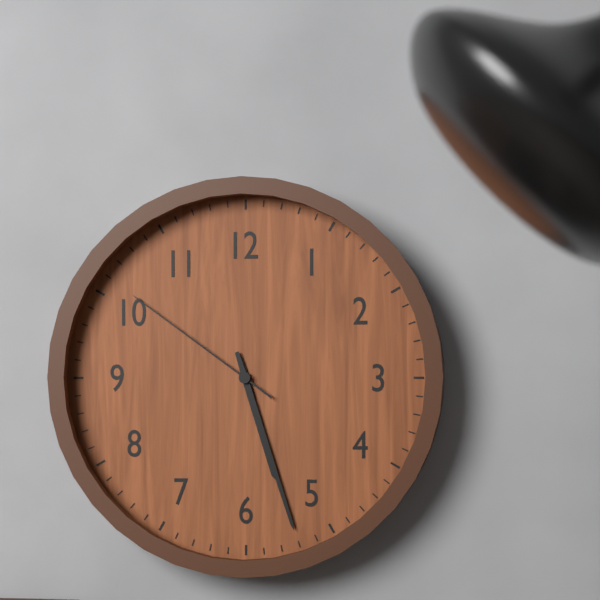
5:27:51
